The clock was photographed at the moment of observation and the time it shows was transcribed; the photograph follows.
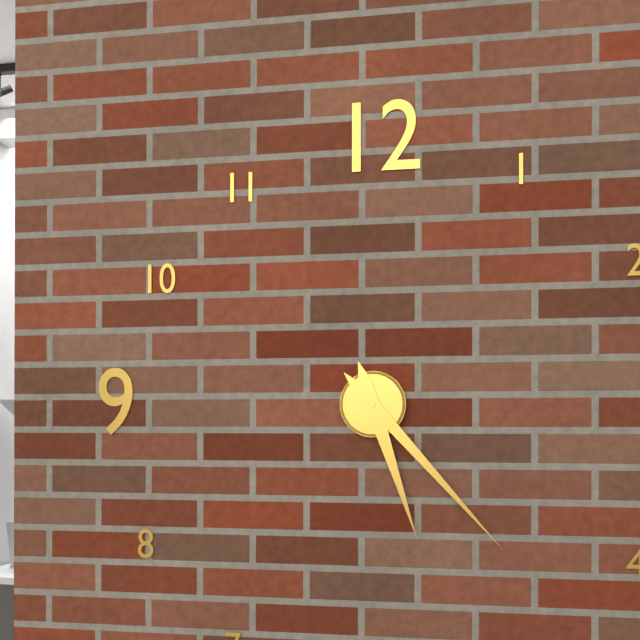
5:23
